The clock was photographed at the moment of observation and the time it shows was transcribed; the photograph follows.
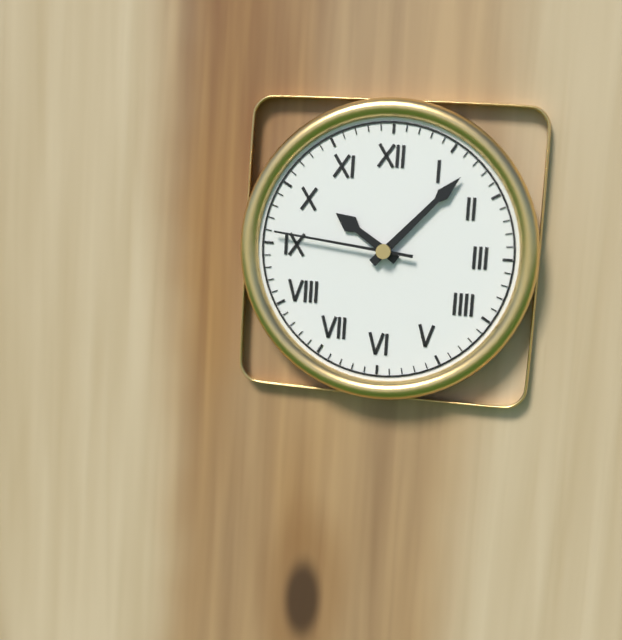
10:07:46
